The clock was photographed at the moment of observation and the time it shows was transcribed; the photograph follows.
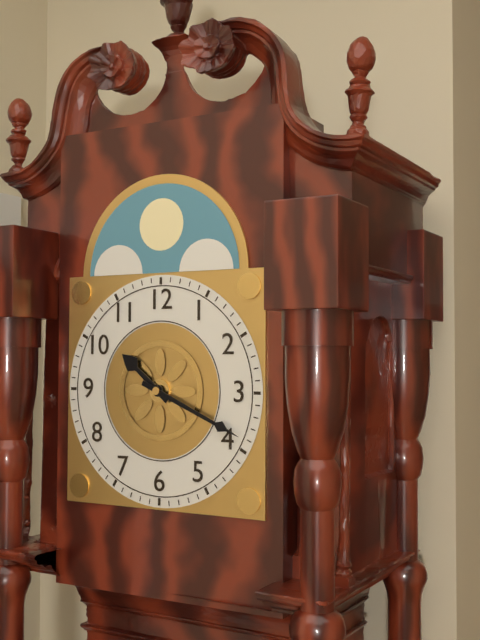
10:19
